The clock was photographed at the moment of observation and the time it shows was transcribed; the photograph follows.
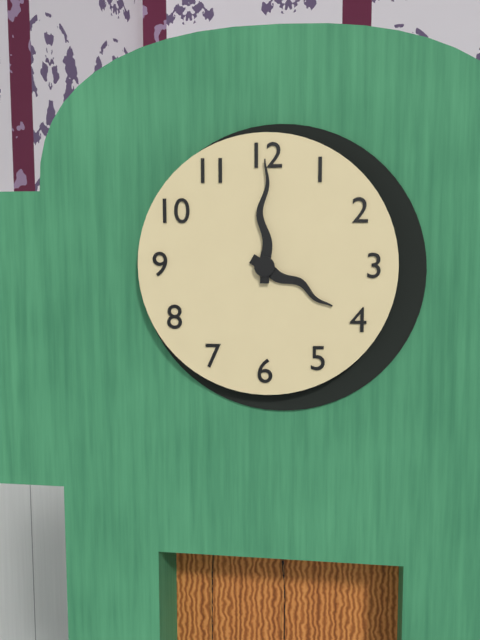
4:00
